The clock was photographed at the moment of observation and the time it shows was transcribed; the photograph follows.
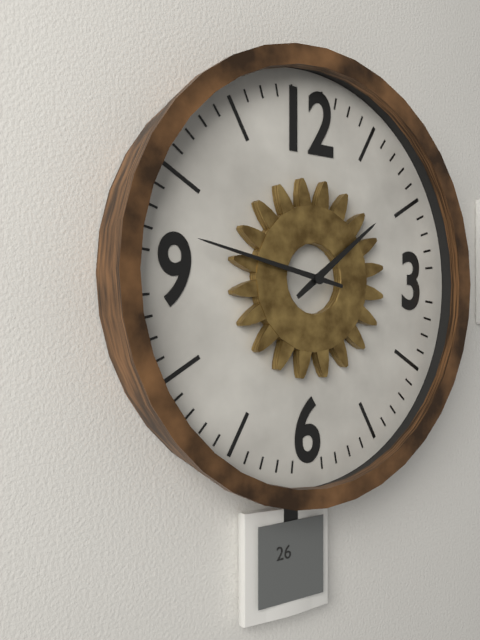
1:47
